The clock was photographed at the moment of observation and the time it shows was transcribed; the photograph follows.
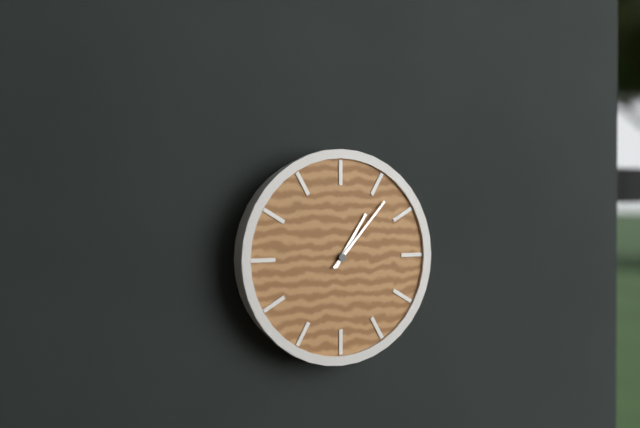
1:07
